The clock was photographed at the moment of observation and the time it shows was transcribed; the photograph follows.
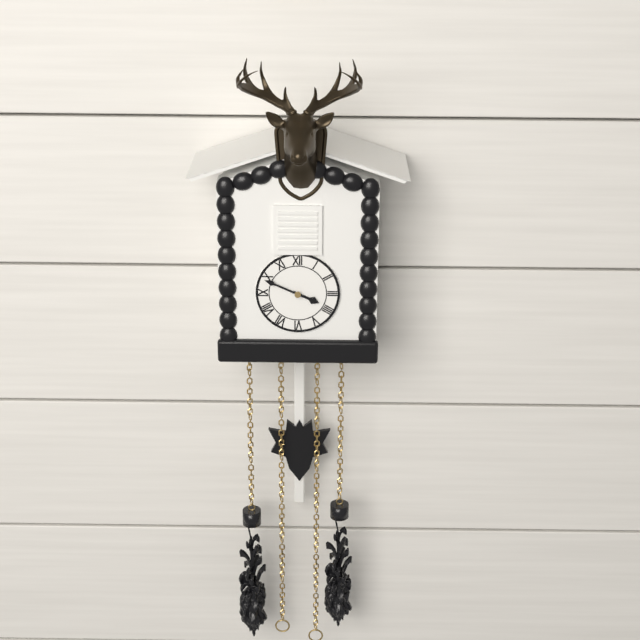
3:49
